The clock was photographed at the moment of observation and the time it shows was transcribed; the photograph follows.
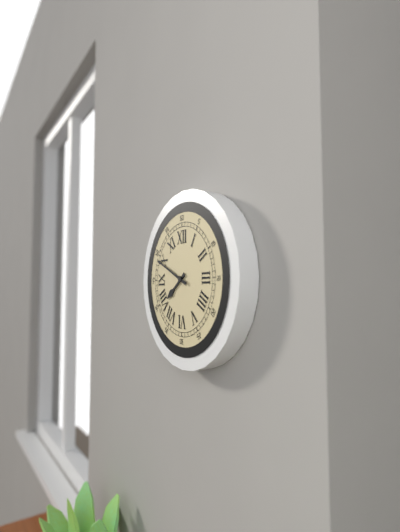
7:49
